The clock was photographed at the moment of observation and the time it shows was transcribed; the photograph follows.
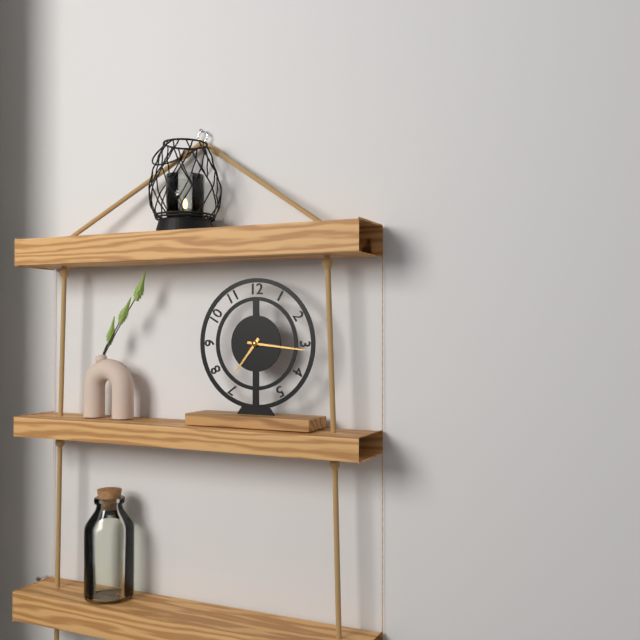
7:16
